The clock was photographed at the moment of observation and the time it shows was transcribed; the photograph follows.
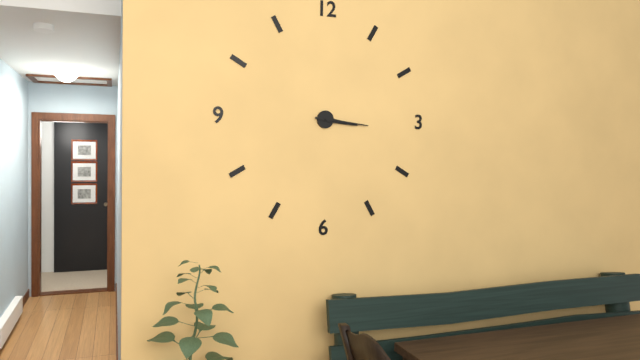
3:16
